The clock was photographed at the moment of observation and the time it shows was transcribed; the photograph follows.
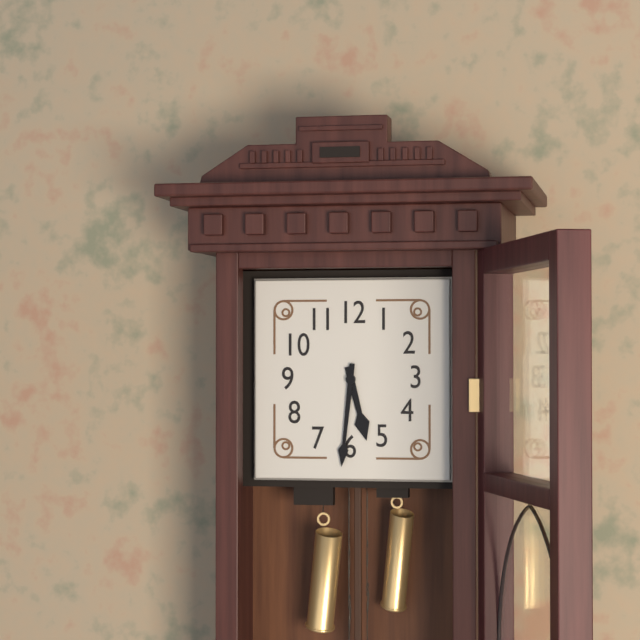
5:31
